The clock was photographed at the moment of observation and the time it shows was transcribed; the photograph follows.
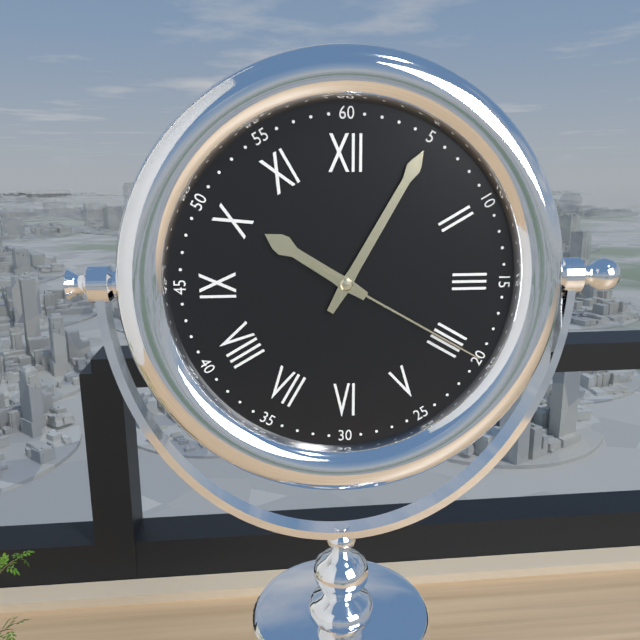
10:05:20
